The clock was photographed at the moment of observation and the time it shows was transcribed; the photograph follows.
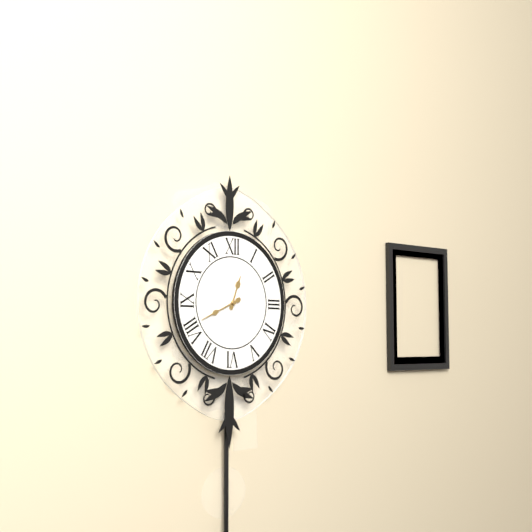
12:41
